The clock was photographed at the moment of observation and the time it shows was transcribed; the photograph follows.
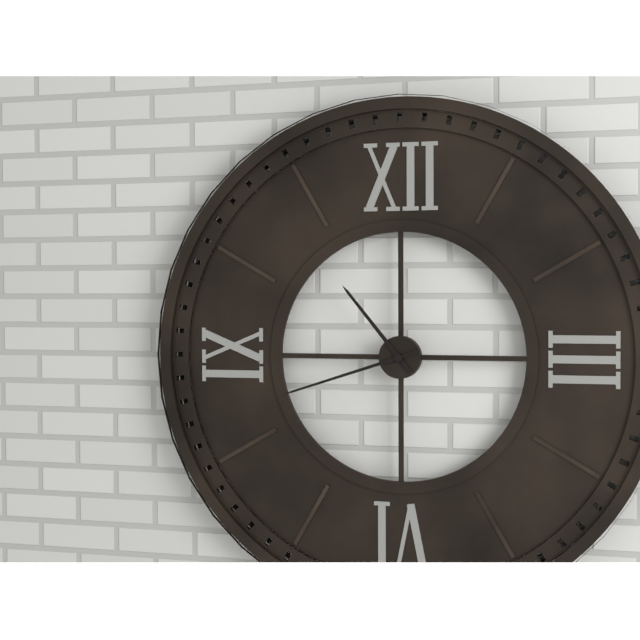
10:42
